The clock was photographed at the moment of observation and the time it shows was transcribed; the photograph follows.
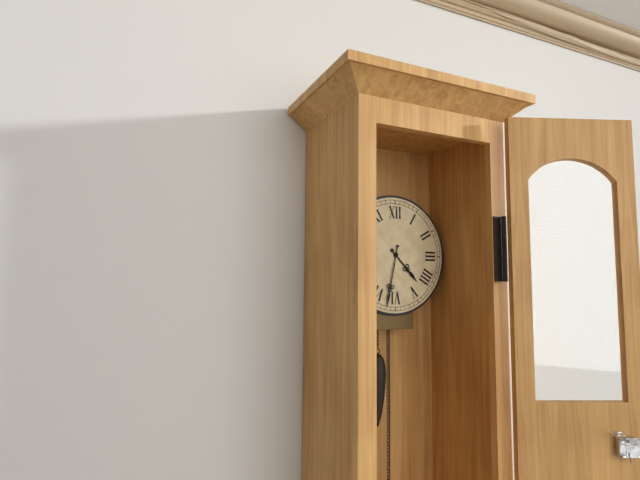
4:32
